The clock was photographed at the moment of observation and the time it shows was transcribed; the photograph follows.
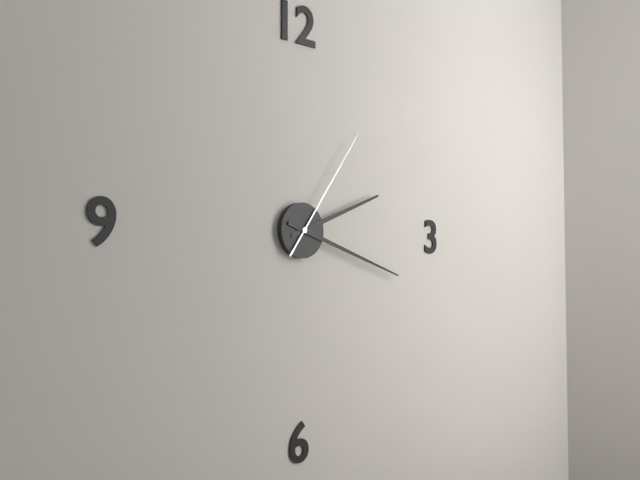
2:18:06
